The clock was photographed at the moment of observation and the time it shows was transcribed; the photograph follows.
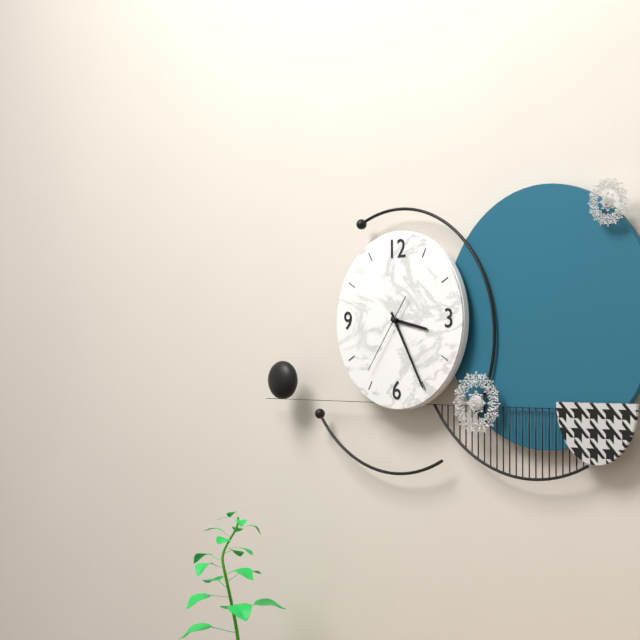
3:25:36
